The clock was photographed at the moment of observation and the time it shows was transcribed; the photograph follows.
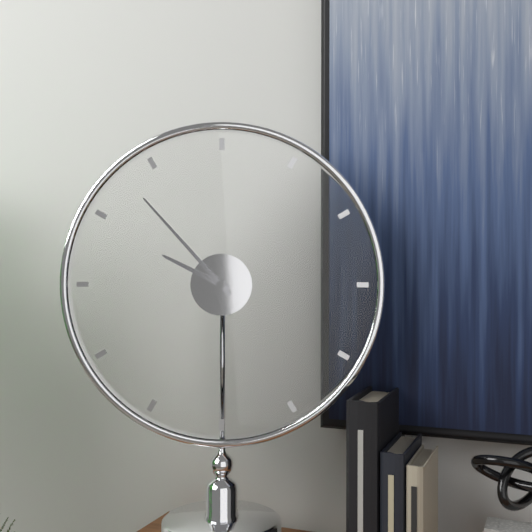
9:53
